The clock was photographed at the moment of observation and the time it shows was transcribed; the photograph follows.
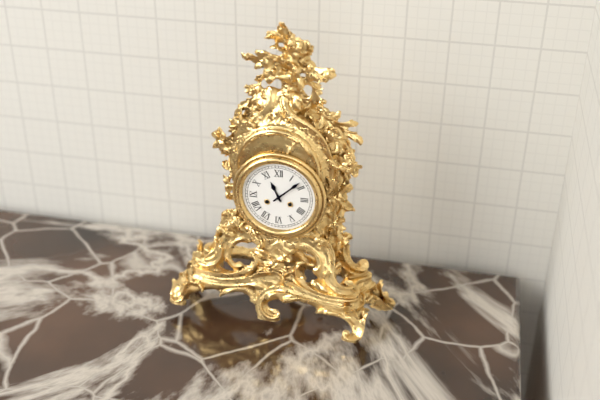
11:08
